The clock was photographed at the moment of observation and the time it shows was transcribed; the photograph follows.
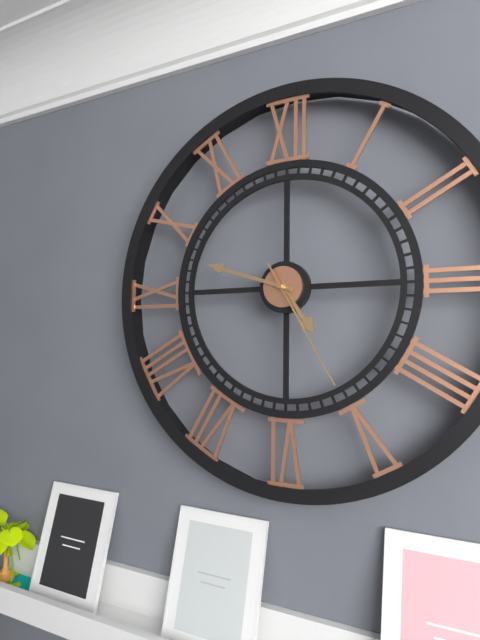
4:48:25
